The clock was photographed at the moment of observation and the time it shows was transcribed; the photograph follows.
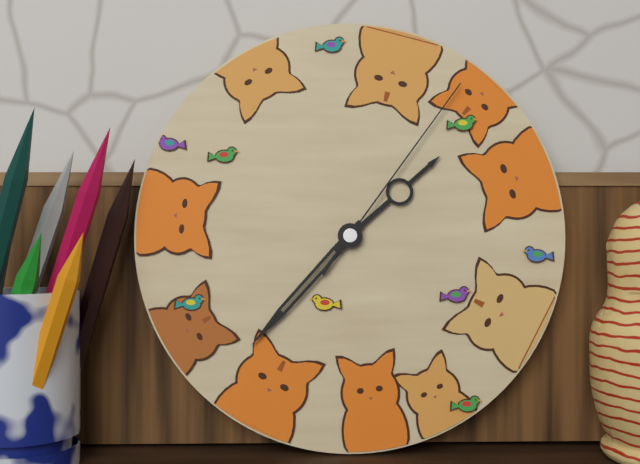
1:37:06
